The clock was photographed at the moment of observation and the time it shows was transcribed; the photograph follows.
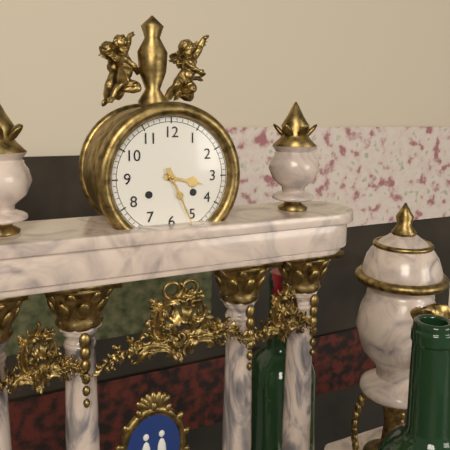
3:26
